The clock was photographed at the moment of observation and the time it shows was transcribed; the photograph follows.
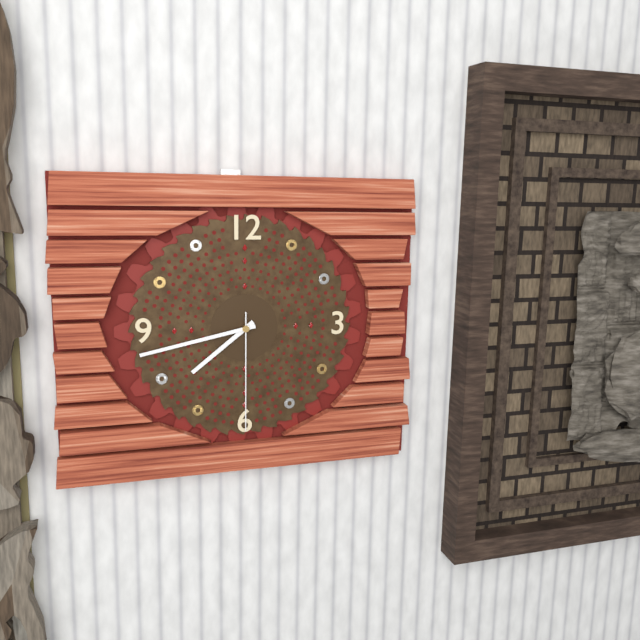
7:43:30
